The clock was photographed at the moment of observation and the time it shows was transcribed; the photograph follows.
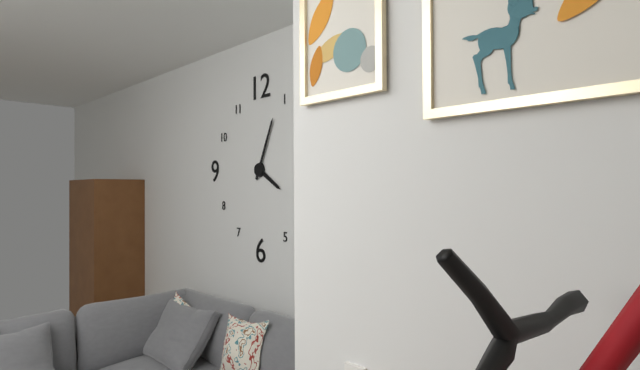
4:04
